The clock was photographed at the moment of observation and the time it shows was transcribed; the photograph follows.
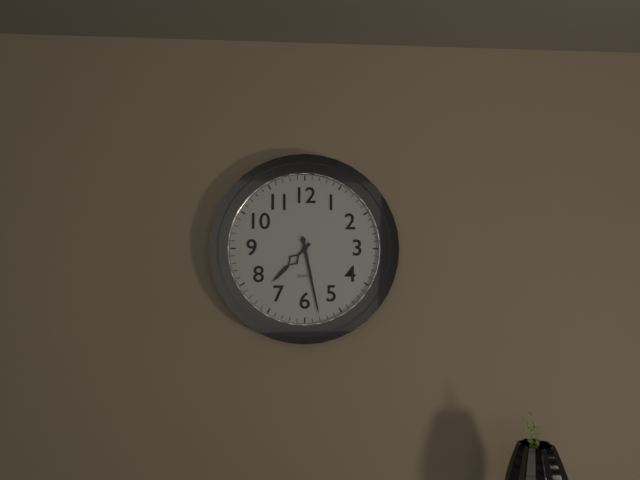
7:28
